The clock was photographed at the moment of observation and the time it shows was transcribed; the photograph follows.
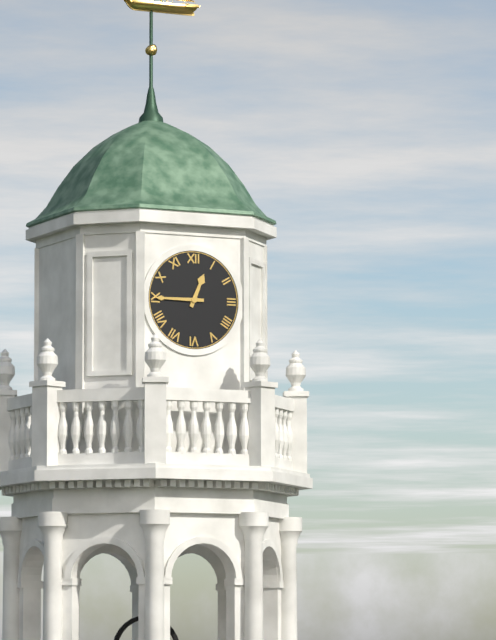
12:45
